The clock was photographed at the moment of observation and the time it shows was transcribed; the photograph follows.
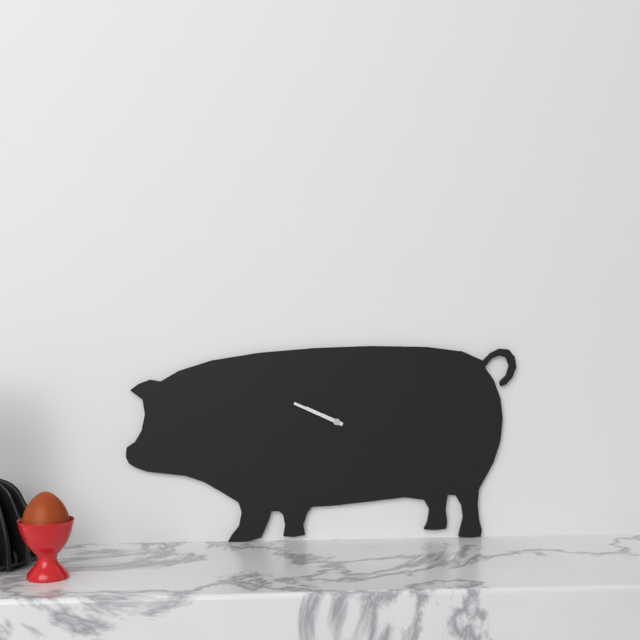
9:49
